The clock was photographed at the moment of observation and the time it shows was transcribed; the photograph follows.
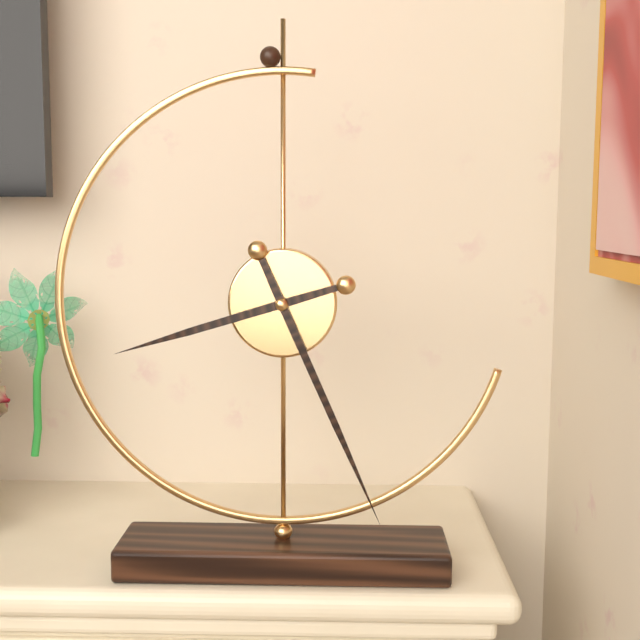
8:26
